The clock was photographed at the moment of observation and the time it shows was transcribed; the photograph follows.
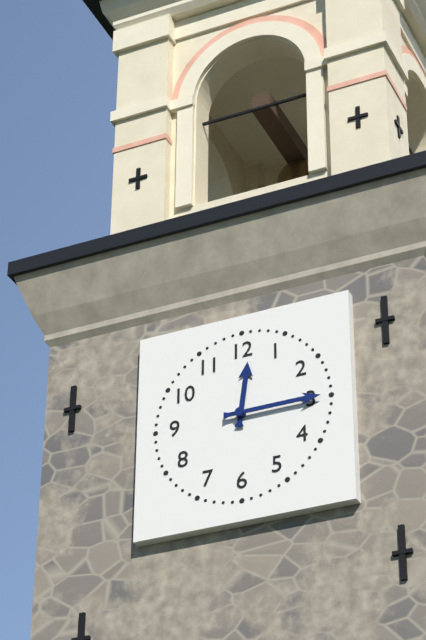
12:15
